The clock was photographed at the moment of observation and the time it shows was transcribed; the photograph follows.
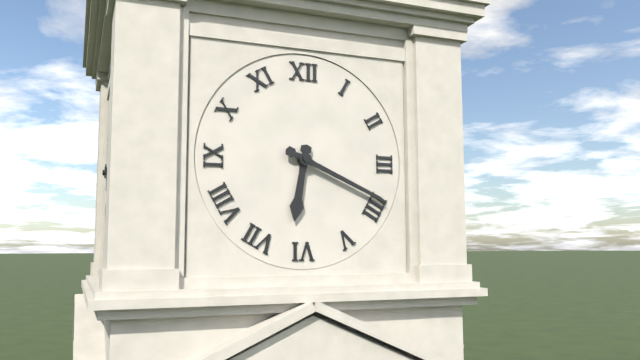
6:19
